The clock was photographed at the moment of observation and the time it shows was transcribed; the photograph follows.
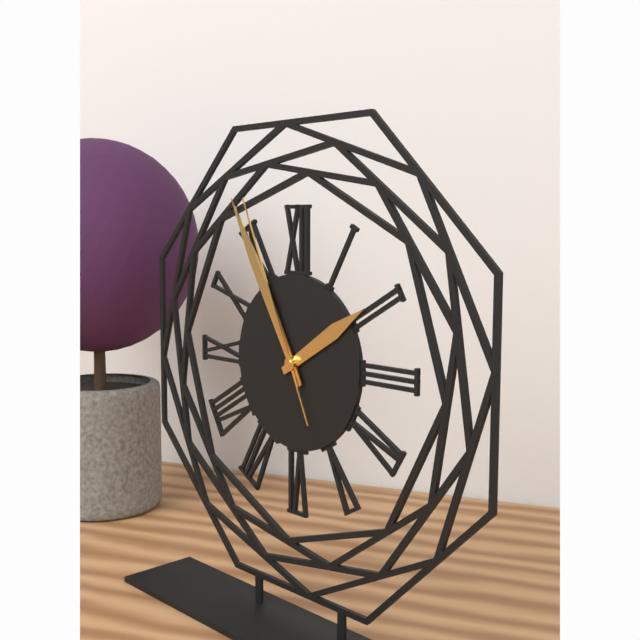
1:55:56
